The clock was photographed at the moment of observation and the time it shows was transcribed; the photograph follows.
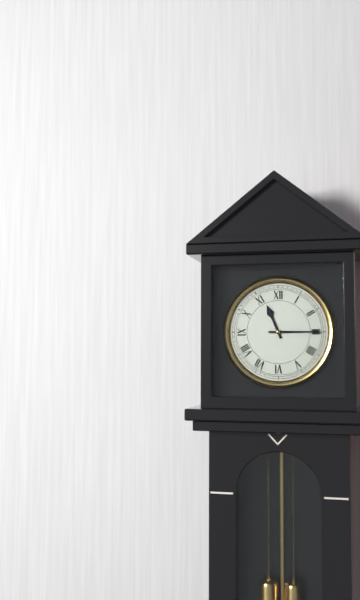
11:15
